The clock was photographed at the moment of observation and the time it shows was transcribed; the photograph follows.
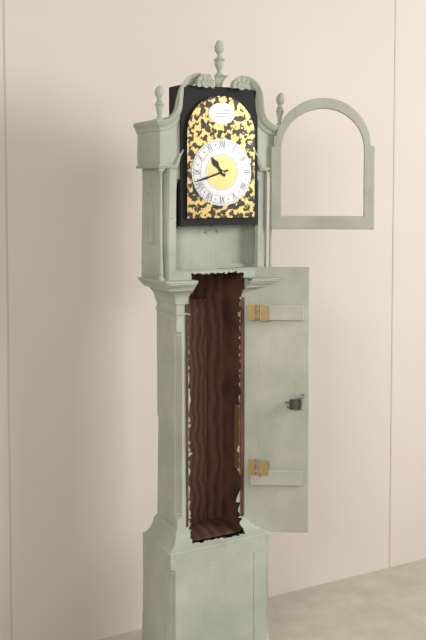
10:42
